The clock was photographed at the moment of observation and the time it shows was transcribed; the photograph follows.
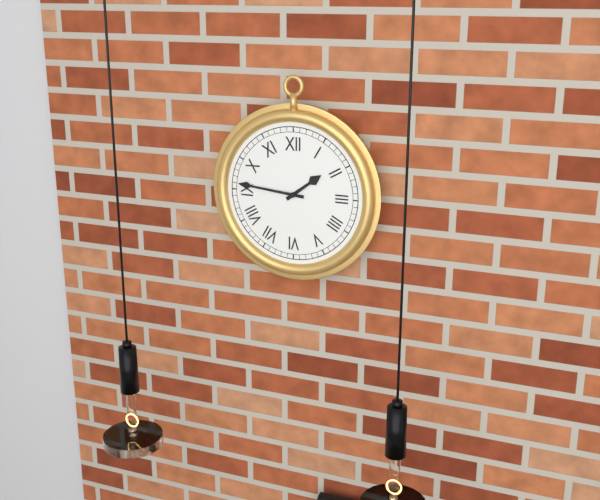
1:46
